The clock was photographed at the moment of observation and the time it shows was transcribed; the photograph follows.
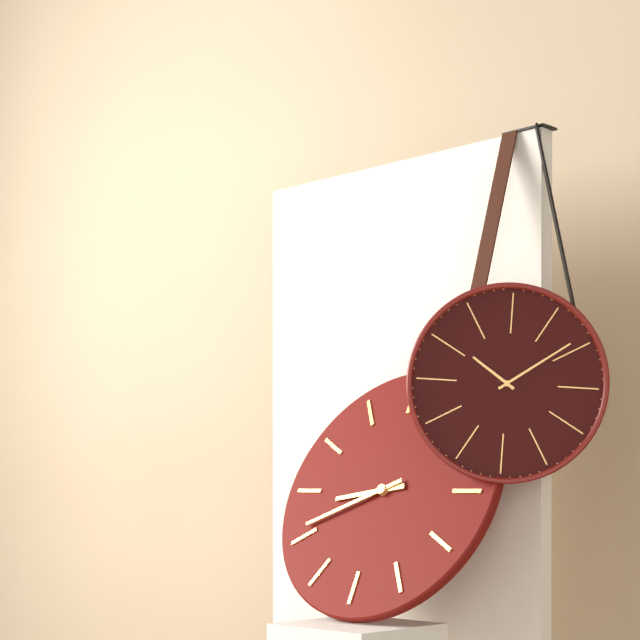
8:41
